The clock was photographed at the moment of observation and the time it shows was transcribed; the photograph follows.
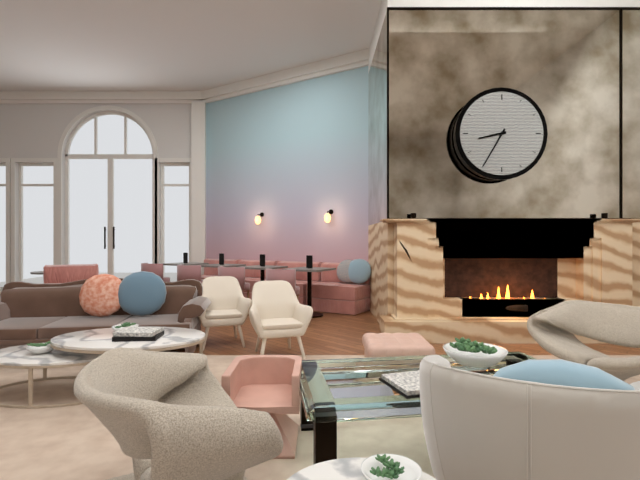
8:35
